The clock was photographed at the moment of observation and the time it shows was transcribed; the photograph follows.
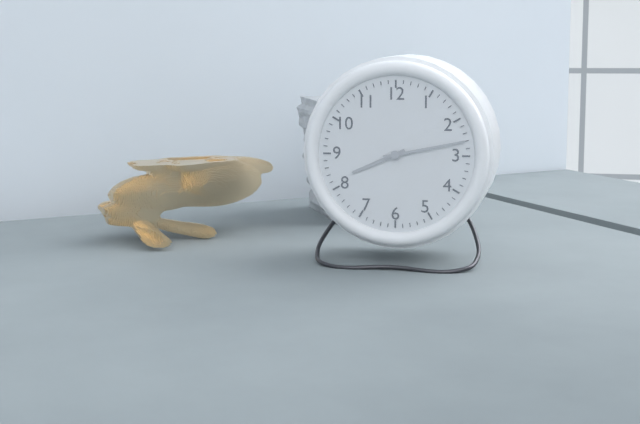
8:13
